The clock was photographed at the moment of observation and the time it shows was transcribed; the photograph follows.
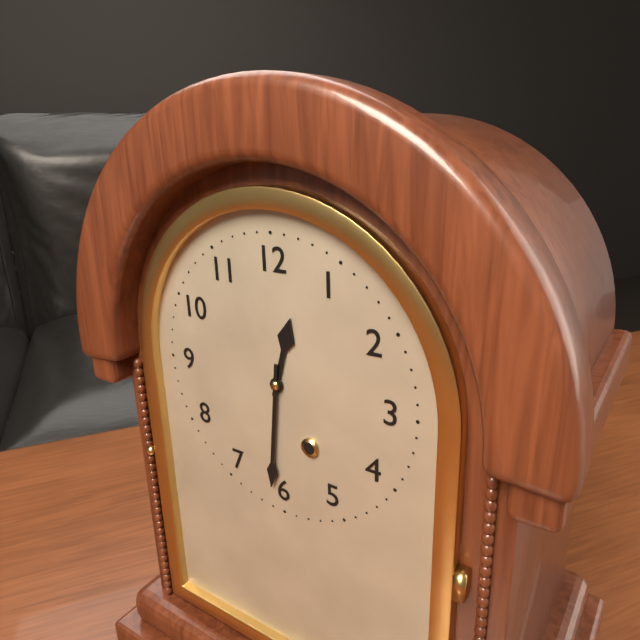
12:31
